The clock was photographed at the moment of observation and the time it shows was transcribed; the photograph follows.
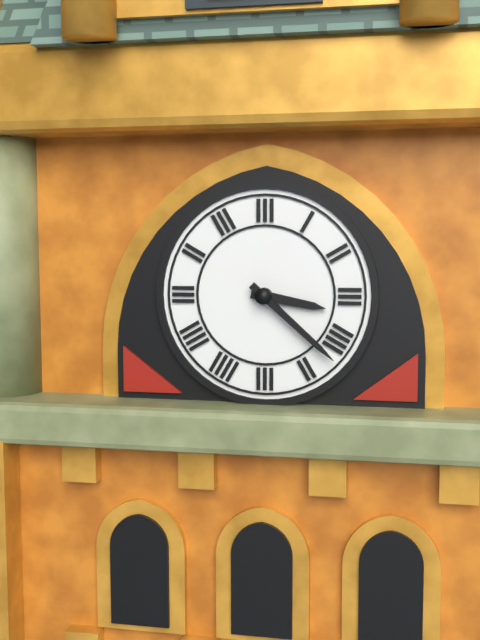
3:22
